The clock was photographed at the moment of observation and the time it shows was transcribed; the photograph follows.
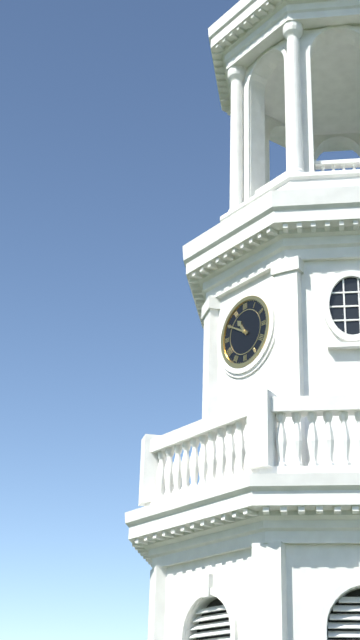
10:50
